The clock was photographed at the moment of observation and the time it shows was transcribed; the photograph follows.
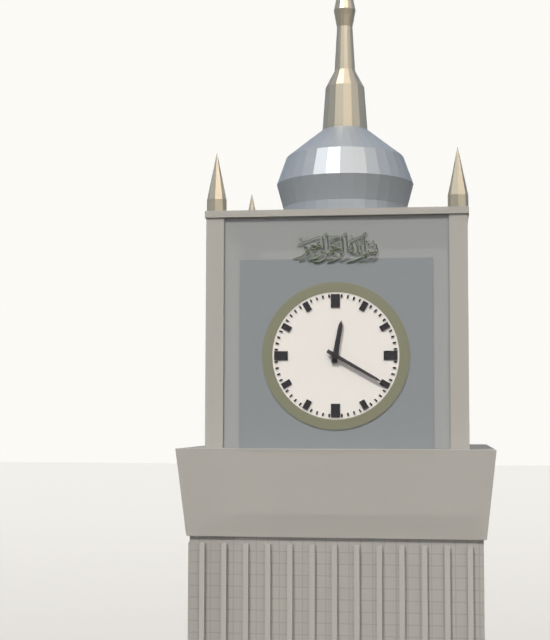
12:20
